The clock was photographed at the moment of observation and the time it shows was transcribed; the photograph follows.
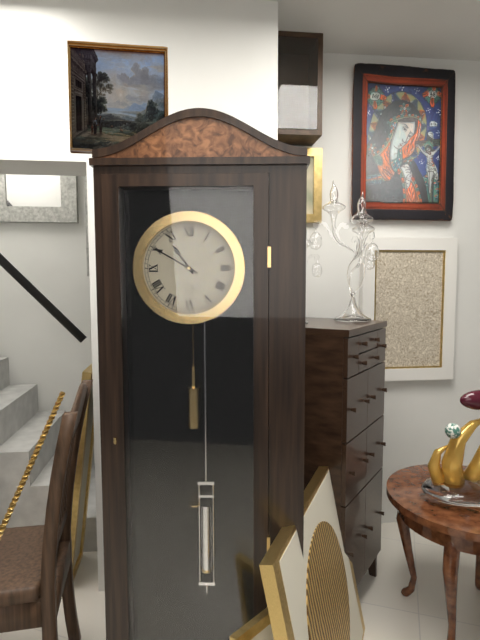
10:50
